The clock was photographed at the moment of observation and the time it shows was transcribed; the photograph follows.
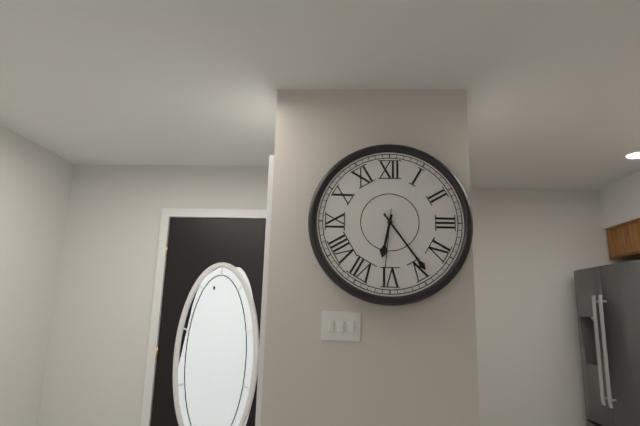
6:24:31
